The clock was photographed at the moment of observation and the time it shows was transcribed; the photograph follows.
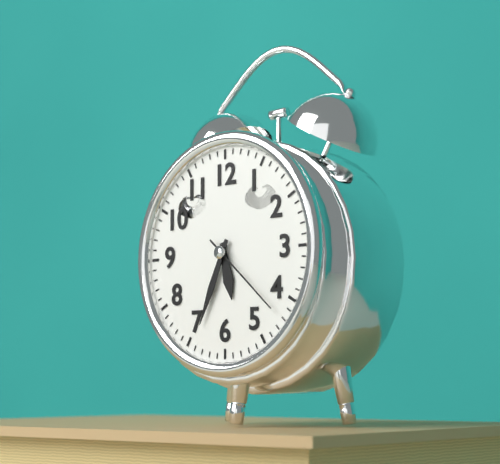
5:34:22
